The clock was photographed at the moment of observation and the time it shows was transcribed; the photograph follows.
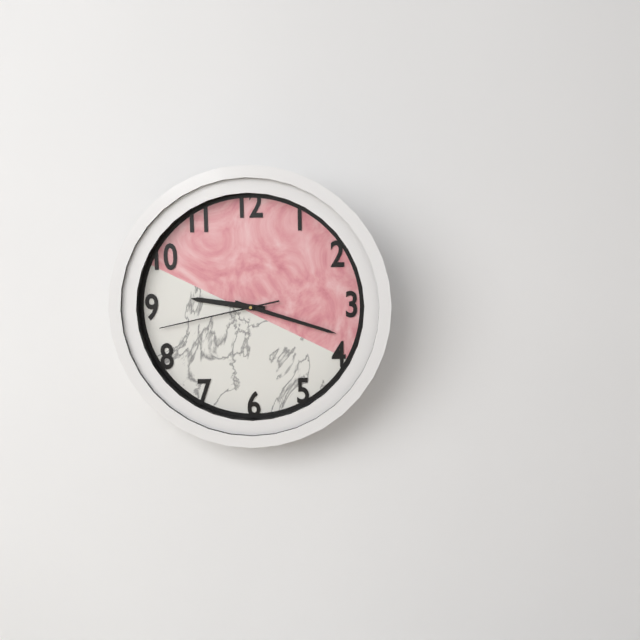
9:18:43
